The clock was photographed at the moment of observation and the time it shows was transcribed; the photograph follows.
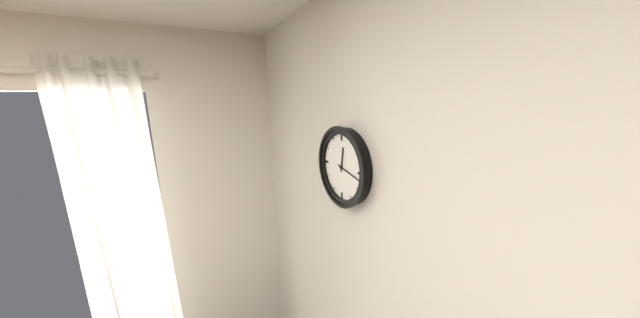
12:17
